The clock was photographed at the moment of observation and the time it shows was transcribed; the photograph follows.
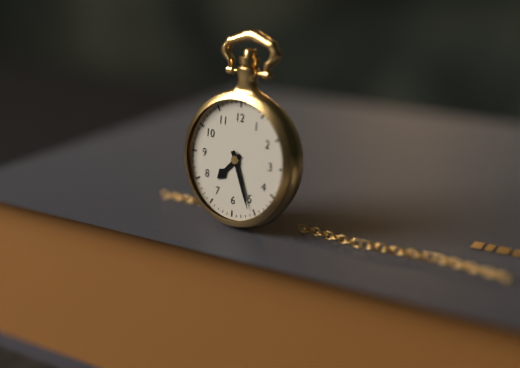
7:26
